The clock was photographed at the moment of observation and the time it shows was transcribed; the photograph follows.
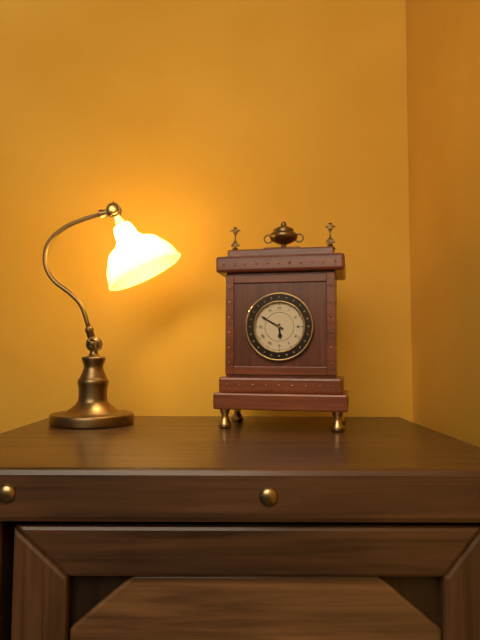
5:50
